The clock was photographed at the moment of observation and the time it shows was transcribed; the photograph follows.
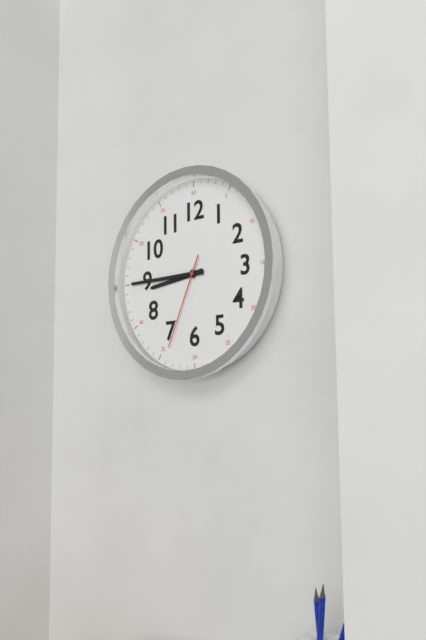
8:45:34
